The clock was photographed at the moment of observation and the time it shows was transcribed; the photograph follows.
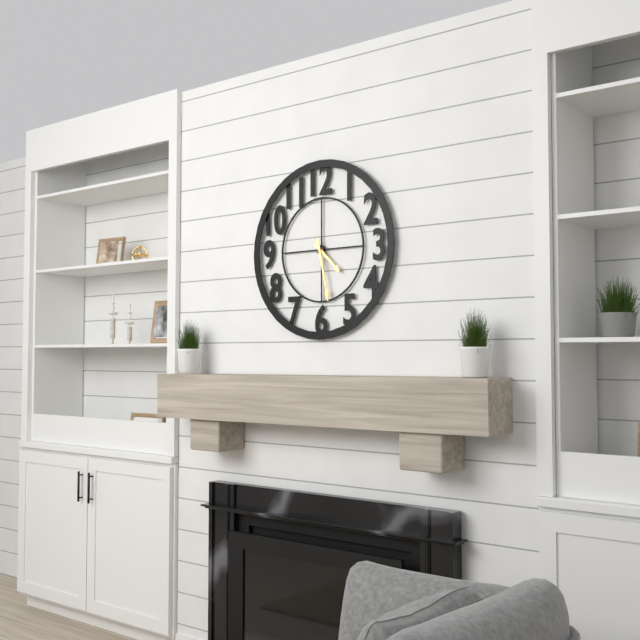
4:28
